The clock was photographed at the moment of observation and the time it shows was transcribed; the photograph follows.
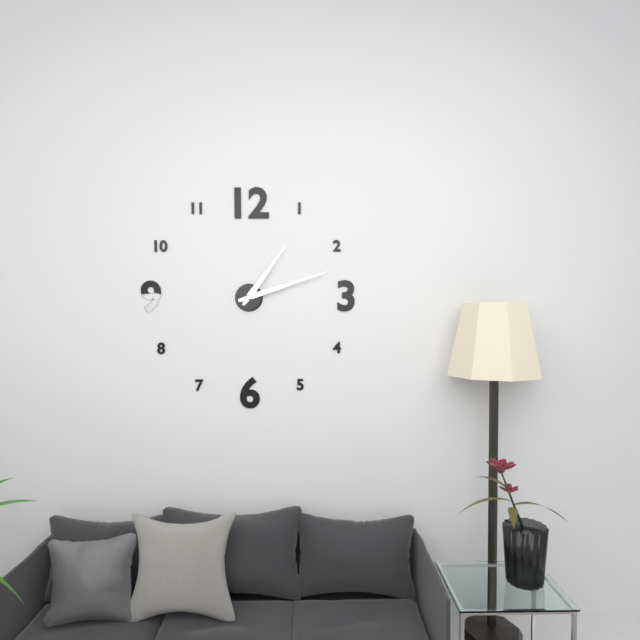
1:12
